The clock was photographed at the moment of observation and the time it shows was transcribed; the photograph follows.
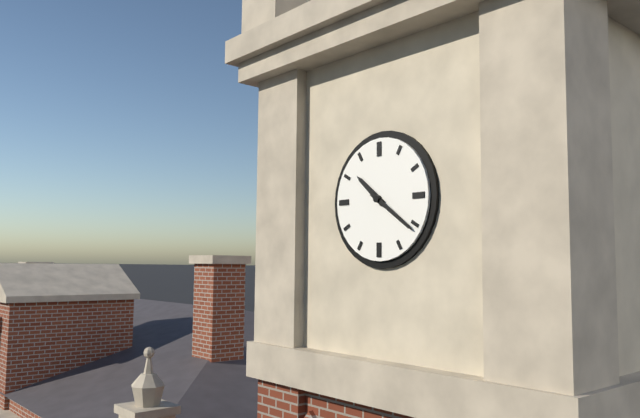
10:21
